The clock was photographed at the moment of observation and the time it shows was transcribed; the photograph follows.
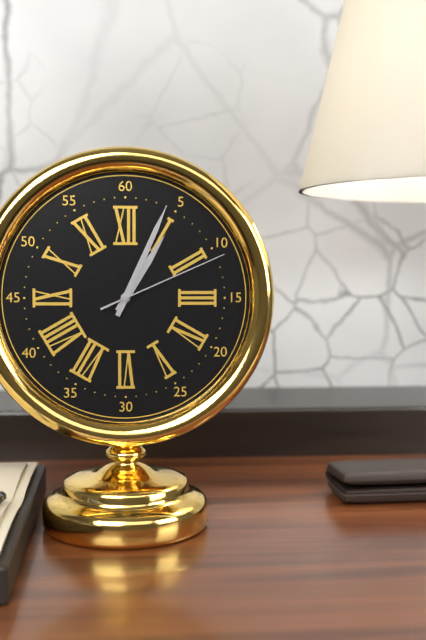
1:04:11
